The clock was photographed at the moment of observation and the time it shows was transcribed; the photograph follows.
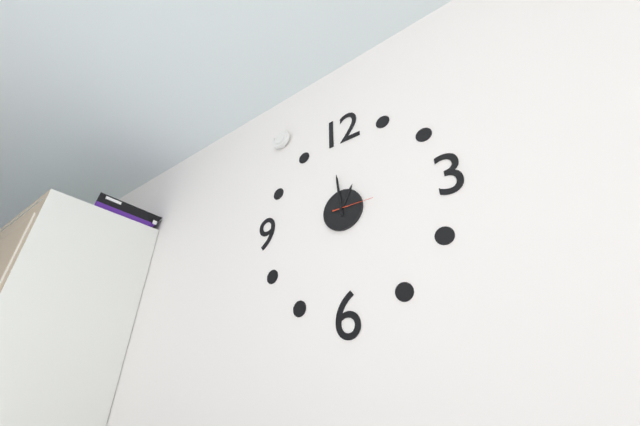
12:59
